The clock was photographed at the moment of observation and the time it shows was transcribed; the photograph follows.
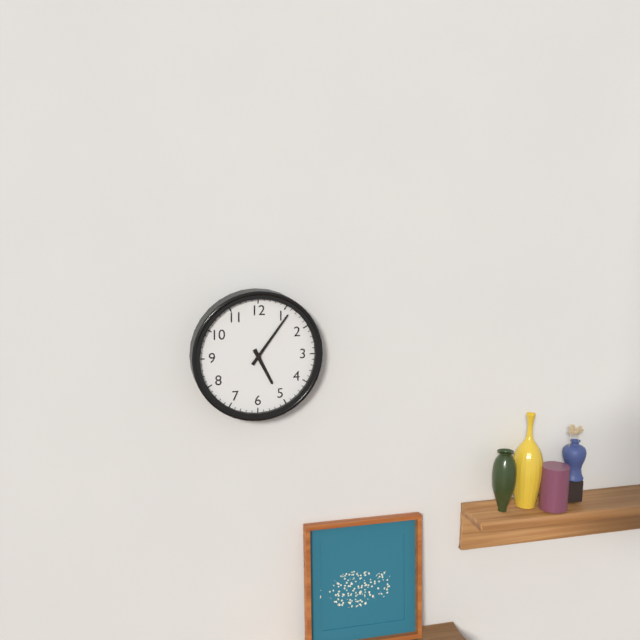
5:06
